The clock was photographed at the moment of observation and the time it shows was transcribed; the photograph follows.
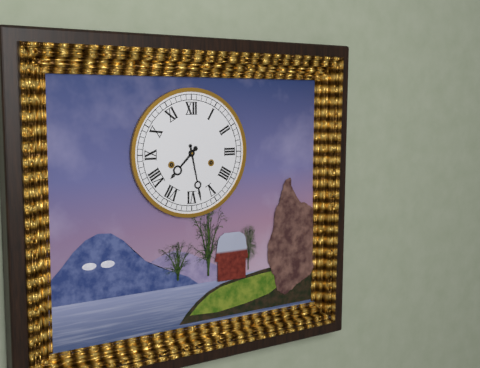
7:28
